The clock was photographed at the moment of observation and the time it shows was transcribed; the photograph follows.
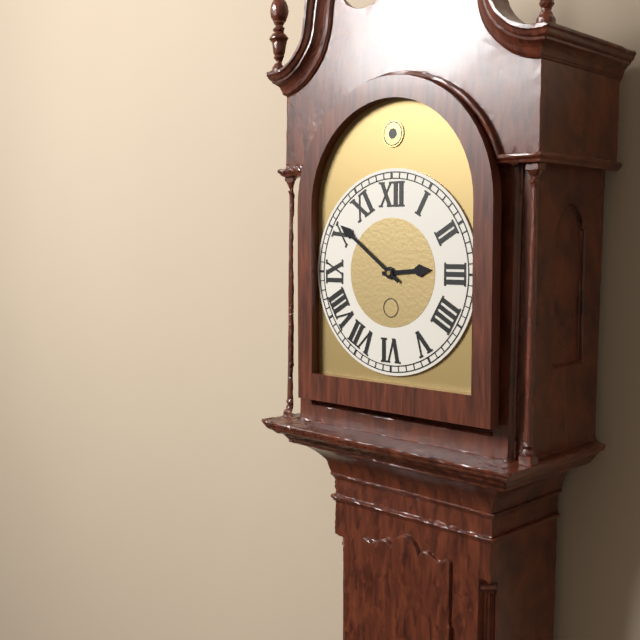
2:51
